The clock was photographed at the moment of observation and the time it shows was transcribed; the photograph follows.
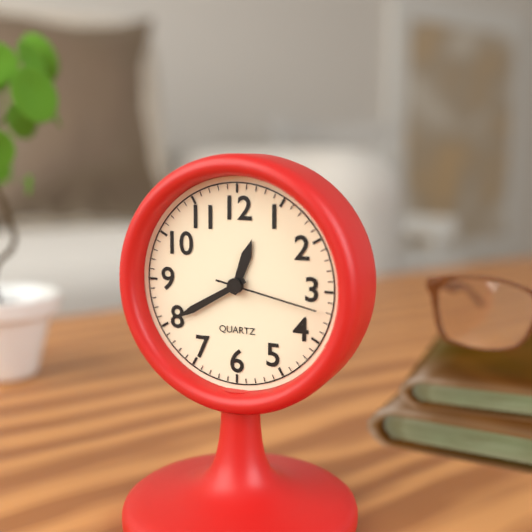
12:40:17
